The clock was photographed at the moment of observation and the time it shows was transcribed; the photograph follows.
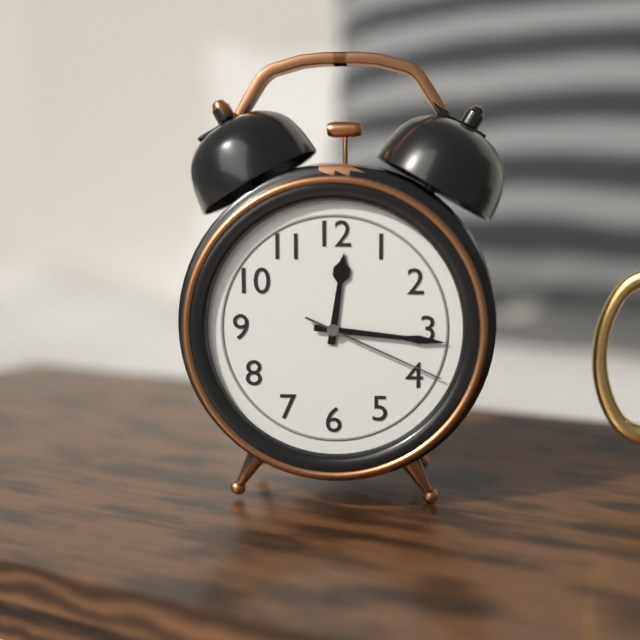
12:16:19
